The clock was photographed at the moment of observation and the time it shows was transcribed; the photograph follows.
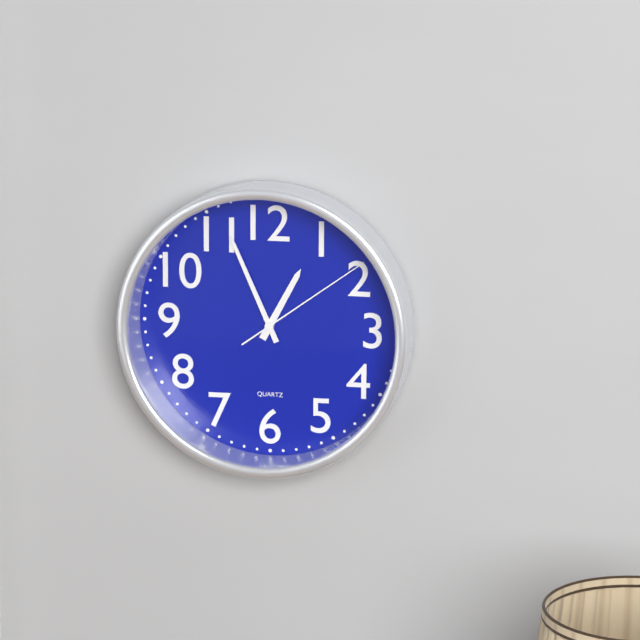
12:56:09
